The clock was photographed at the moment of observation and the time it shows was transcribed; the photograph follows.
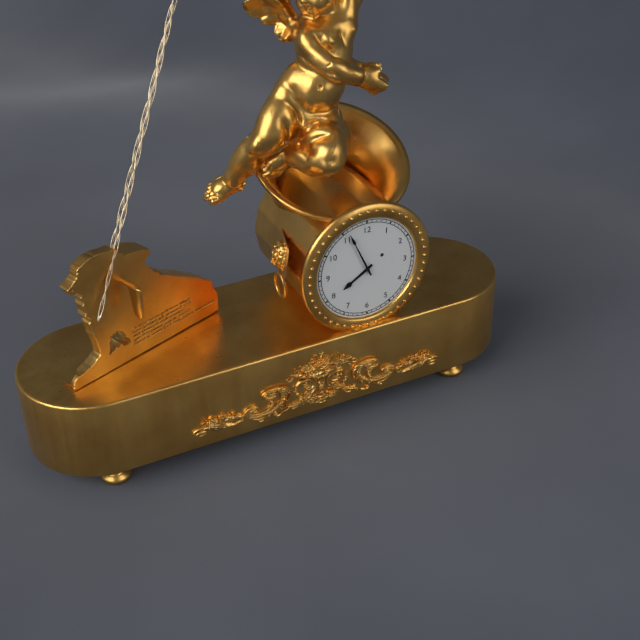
7:56
